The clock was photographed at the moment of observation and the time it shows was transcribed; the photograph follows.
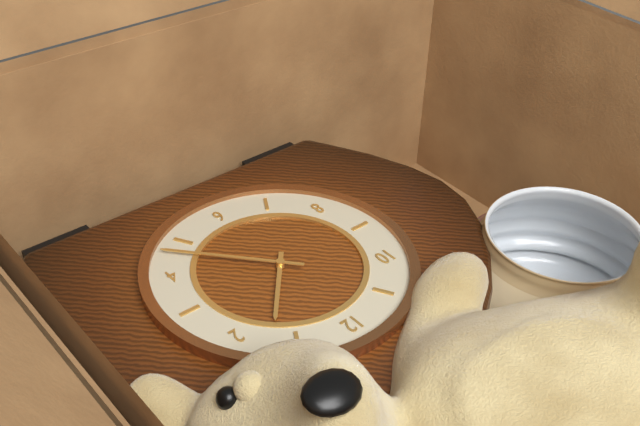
1:23
